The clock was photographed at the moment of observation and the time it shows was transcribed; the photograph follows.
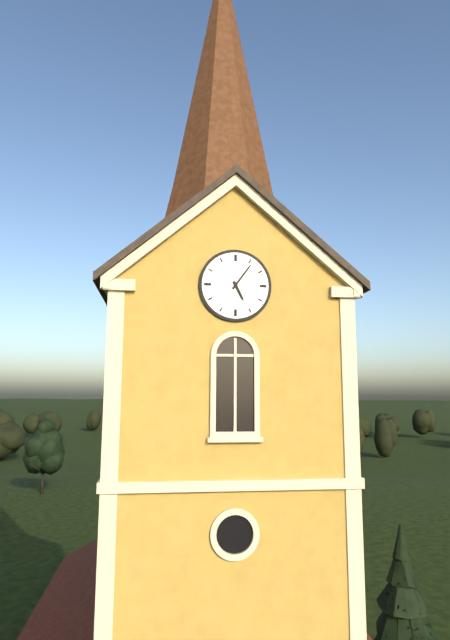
5:06
